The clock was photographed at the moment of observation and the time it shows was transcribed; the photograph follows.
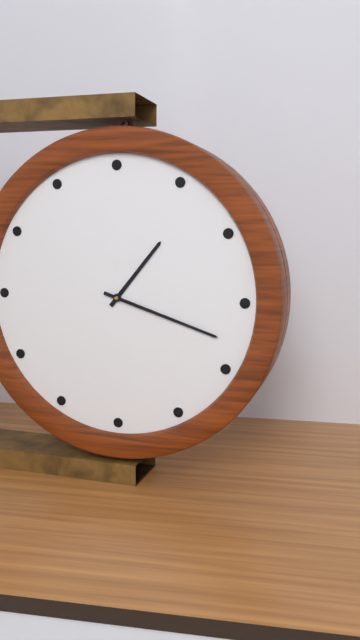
1:18
